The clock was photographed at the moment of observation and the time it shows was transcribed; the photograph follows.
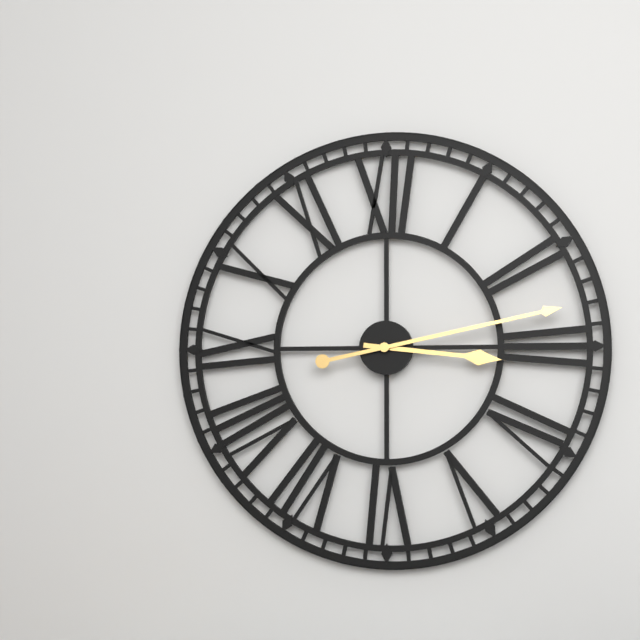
3:13
